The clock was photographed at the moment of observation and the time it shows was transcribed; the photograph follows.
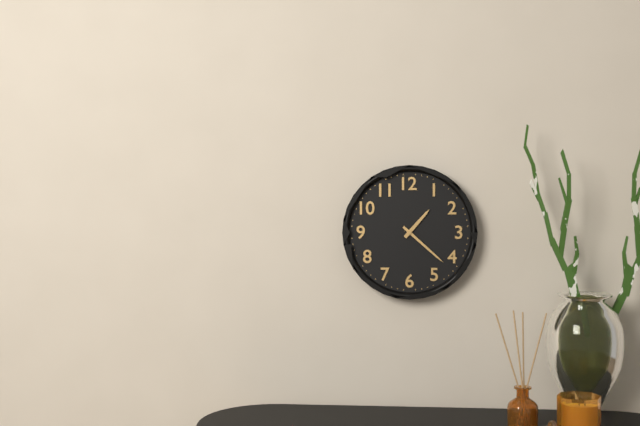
1:22
